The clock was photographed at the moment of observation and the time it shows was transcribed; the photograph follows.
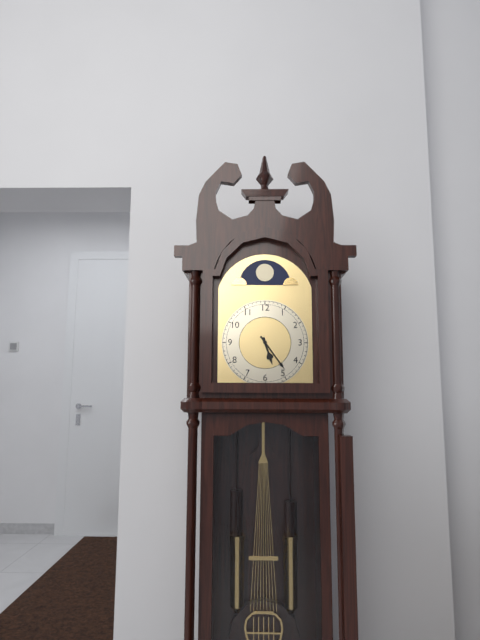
5:24
